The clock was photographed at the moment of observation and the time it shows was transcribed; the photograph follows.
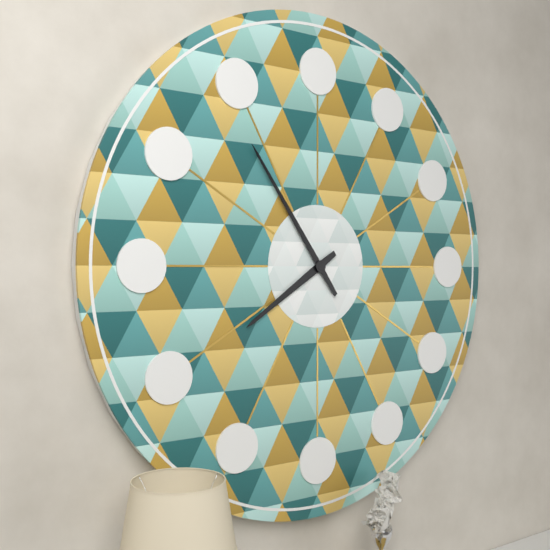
7:54
